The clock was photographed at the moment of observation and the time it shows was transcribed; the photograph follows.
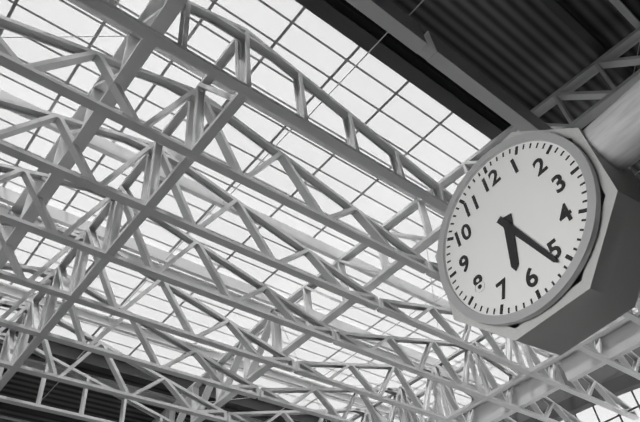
6:26
